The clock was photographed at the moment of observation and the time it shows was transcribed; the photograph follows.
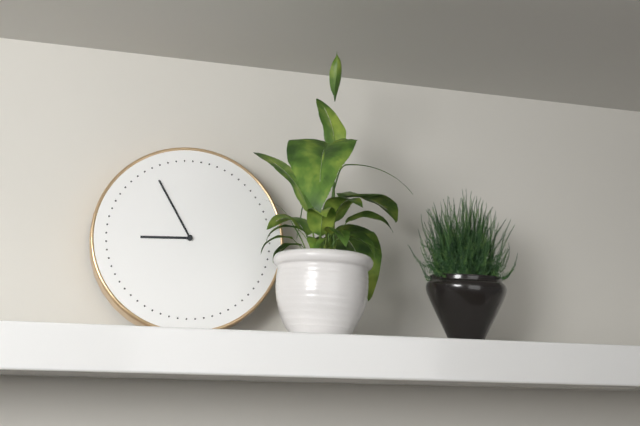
8:55
